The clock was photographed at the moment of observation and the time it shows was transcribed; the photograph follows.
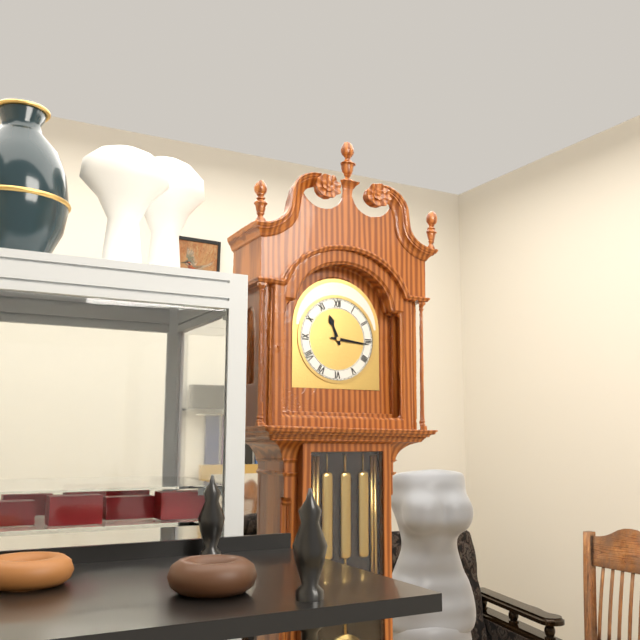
11:16
